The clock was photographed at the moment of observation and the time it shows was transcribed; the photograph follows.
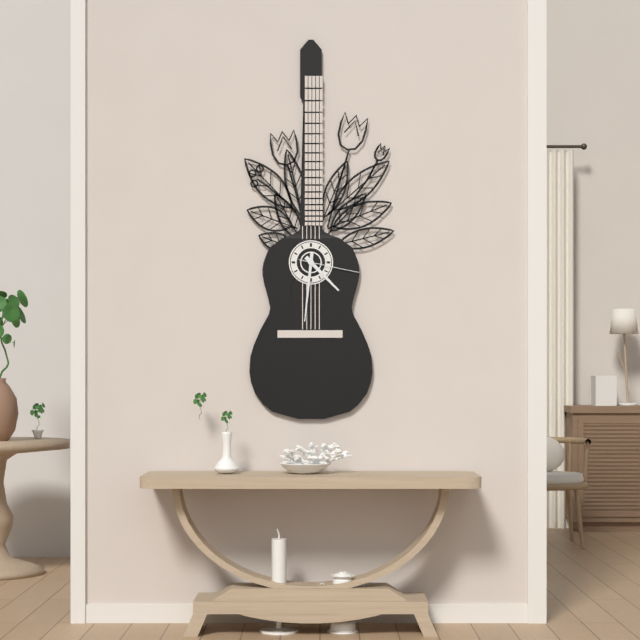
4:31:17
